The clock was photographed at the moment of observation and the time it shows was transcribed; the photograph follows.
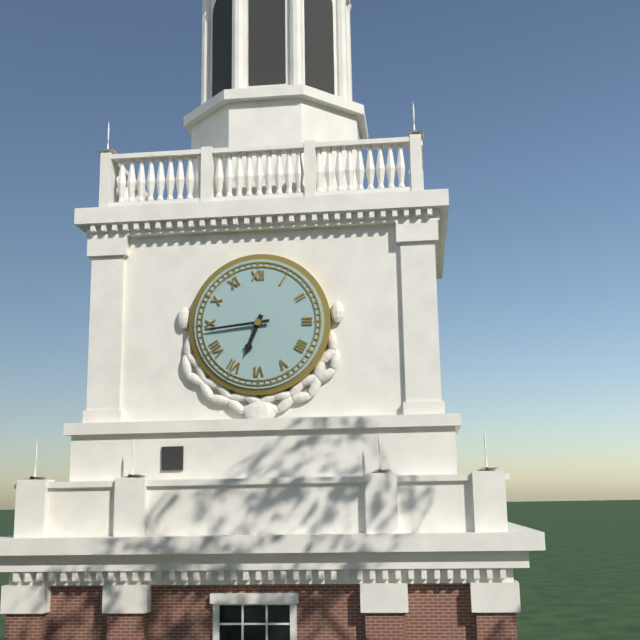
6:44
